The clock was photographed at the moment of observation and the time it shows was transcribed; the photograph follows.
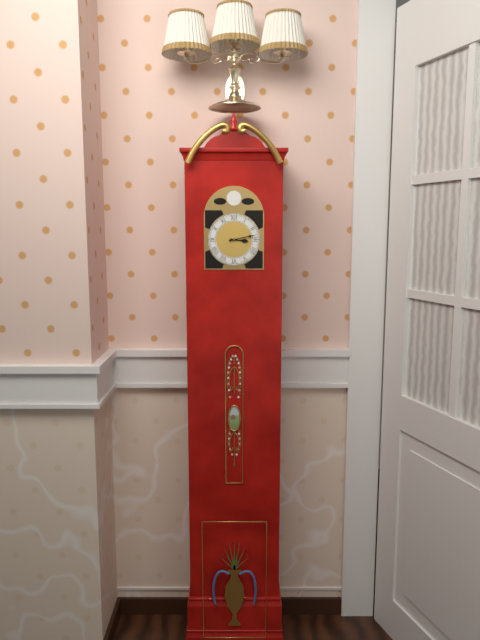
3:13
